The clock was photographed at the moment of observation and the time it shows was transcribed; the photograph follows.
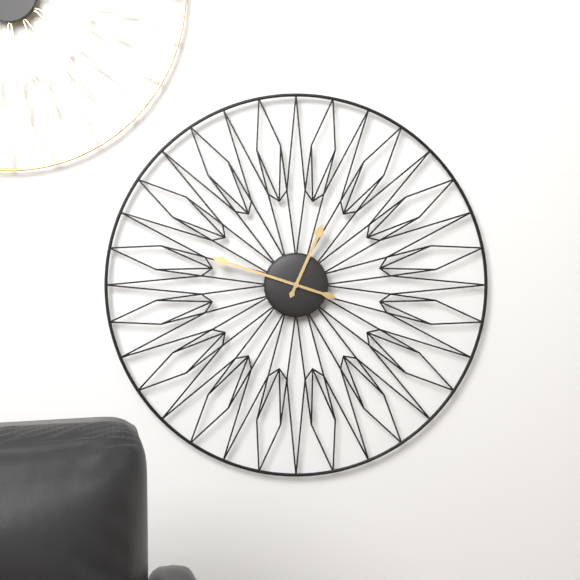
12:48
